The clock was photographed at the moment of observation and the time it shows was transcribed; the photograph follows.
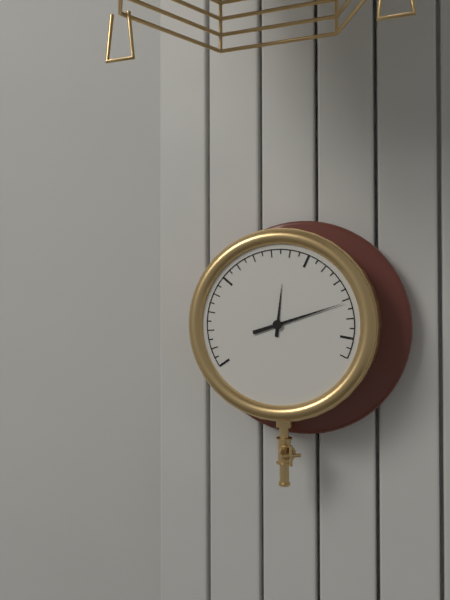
12:12
